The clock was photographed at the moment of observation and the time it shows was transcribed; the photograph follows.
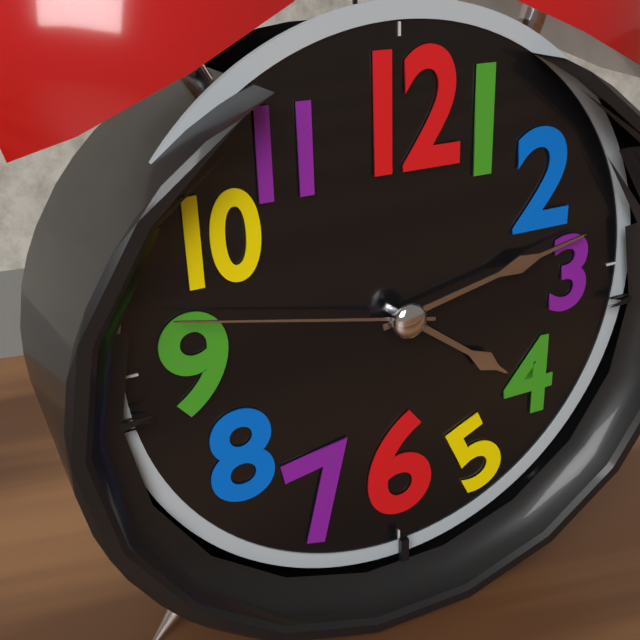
4:13:47
